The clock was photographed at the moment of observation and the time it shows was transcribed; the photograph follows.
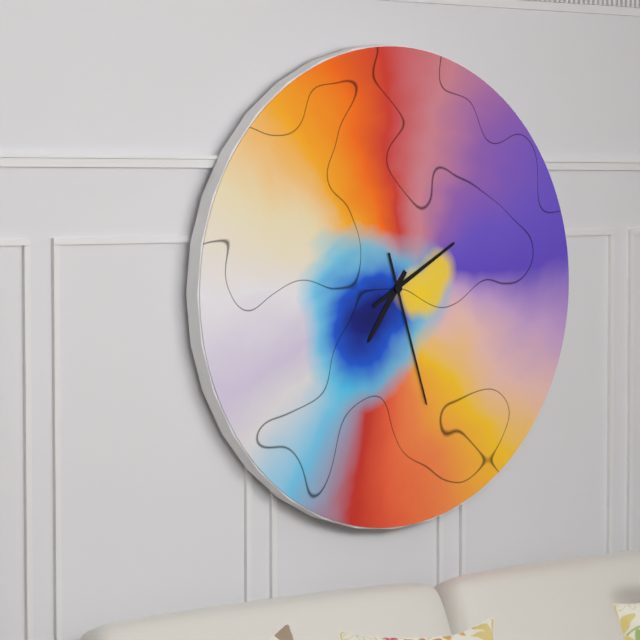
7:10:27
